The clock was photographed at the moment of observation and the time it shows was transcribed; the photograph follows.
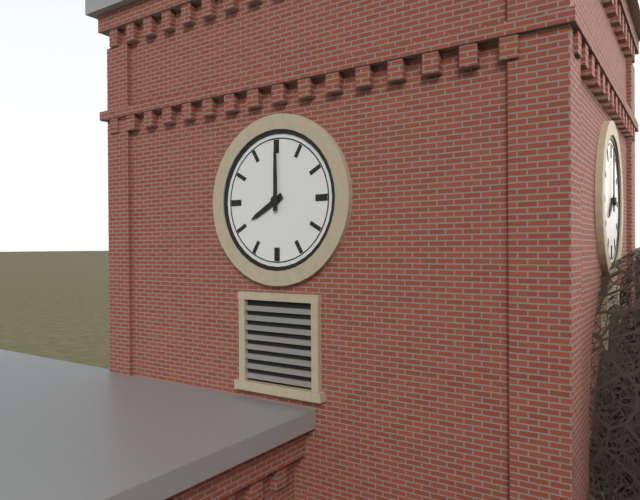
8:00
